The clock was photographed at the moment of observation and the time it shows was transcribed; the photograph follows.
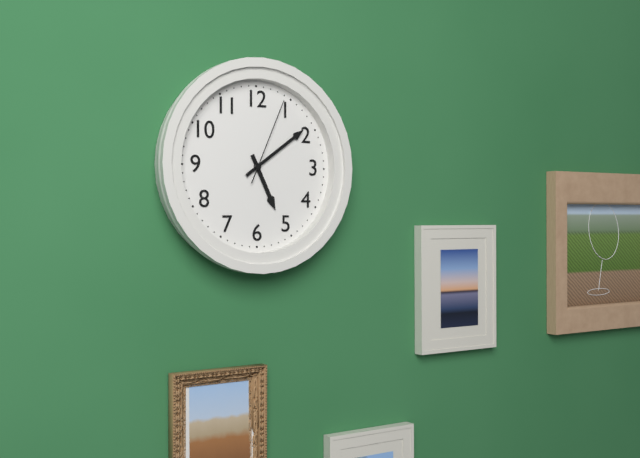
5:09:04
